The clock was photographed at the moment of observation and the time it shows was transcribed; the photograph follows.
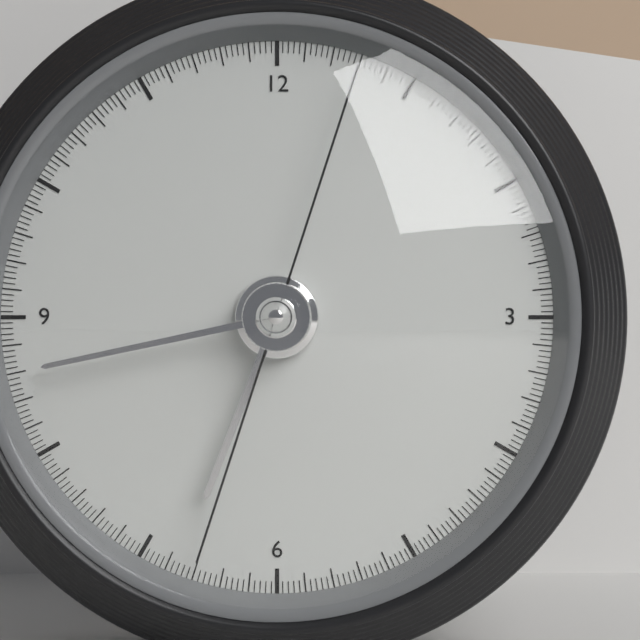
6:43:33
